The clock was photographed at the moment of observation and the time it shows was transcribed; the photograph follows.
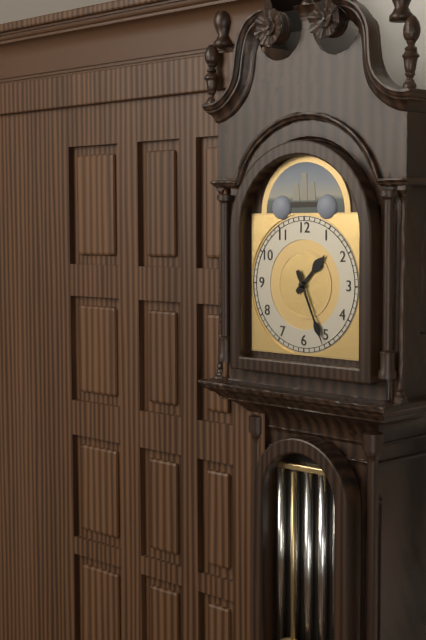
1:26
